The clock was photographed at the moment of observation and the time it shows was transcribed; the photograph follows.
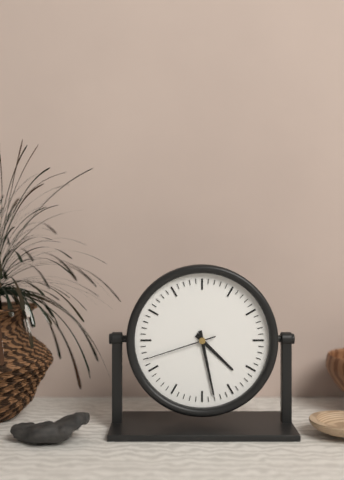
4:28:42
